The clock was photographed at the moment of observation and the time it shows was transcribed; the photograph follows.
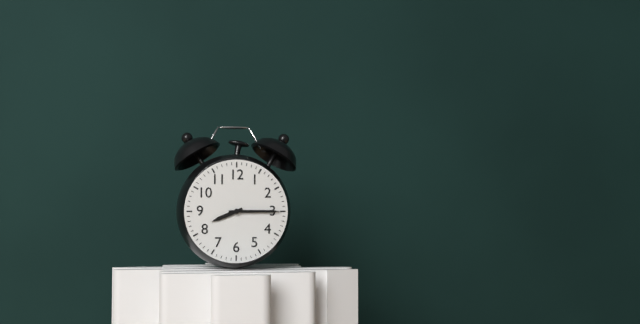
8:15
